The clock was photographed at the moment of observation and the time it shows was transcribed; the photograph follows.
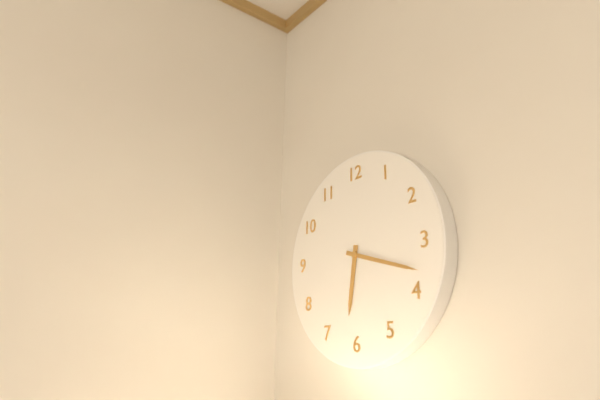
6:18
